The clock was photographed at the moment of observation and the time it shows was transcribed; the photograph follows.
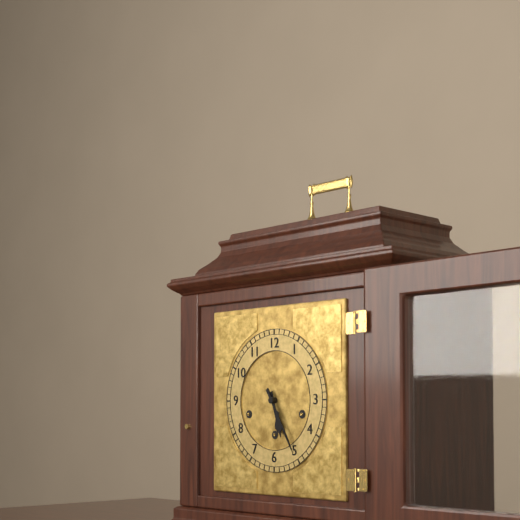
5:25
